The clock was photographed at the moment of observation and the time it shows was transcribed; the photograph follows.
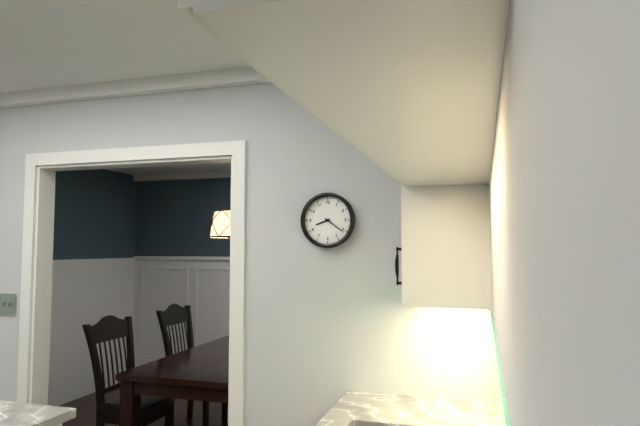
8:21
